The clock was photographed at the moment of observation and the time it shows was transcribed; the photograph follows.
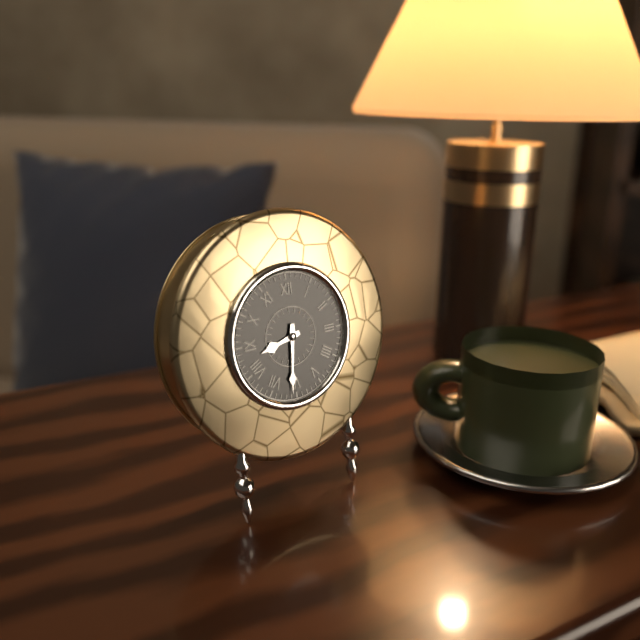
8:31
